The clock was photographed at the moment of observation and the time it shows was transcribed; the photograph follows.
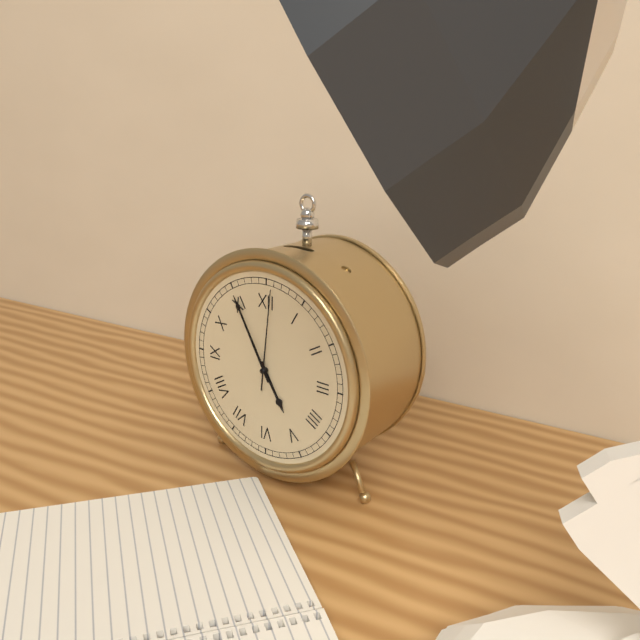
4:55:01
